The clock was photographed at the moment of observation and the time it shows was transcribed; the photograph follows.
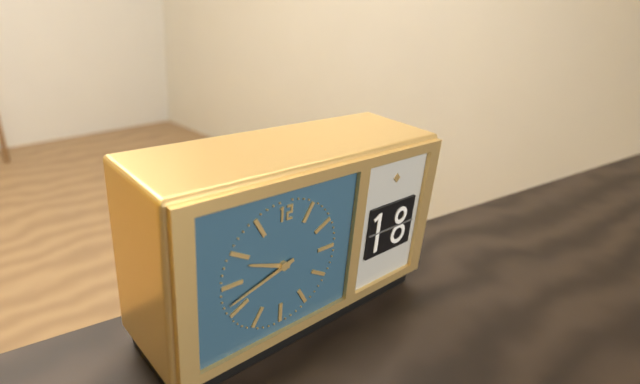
9:42
